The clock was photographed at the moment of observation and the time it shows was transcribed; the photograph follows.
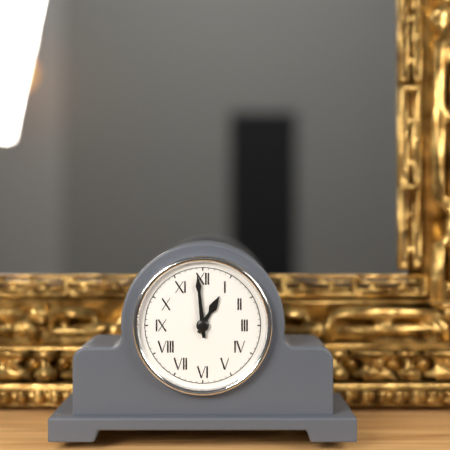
12:59
